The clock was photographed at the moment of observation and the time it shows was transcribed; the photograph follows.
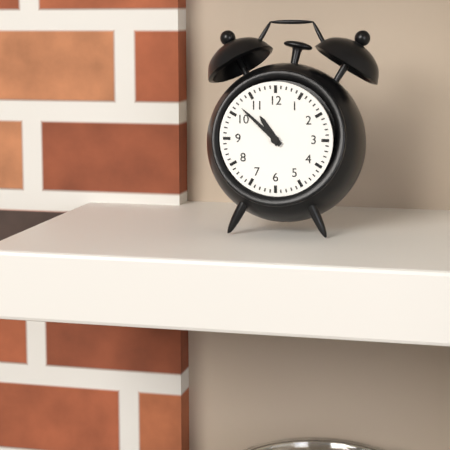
10:52
